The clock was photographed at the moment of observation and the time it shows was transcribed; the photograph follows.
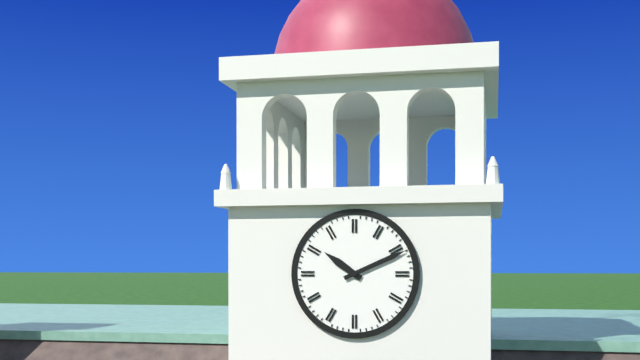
10:11
